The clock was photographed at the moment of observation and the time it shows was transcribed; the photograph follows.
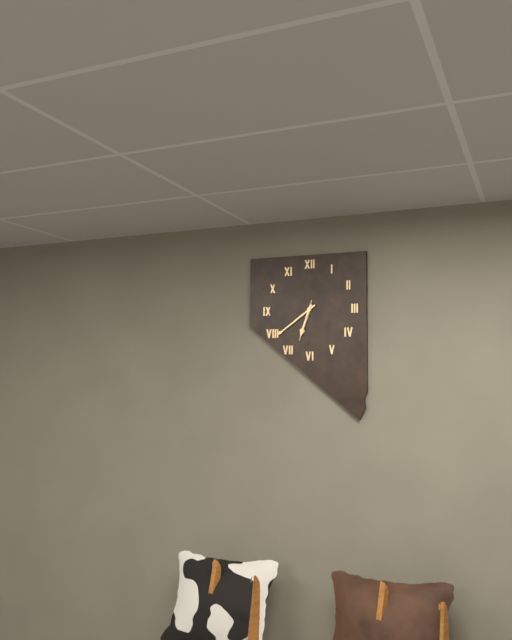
6:39
